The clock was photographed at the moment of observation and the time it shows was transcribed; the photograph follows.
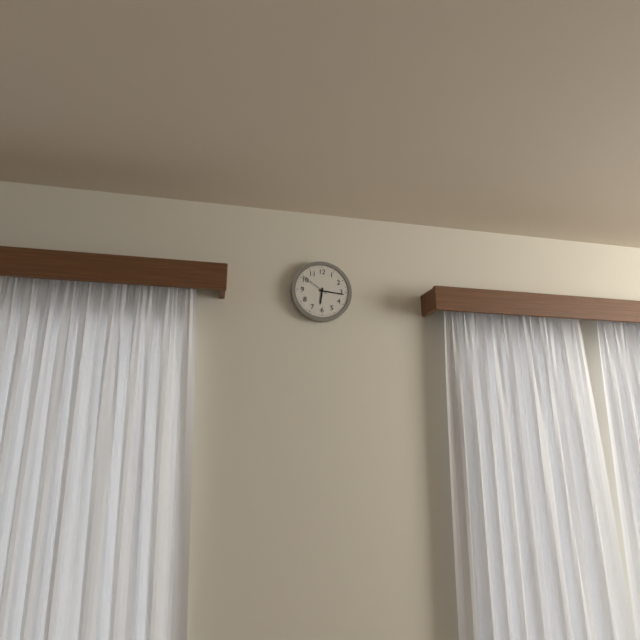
6:16
